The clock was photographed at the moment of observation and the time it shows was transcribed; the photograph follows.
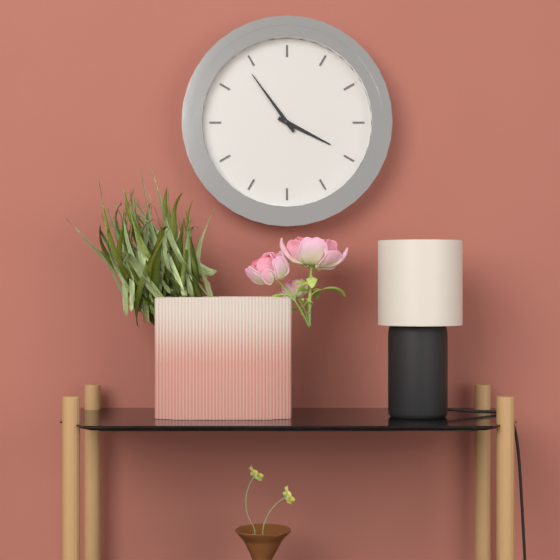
3:54
